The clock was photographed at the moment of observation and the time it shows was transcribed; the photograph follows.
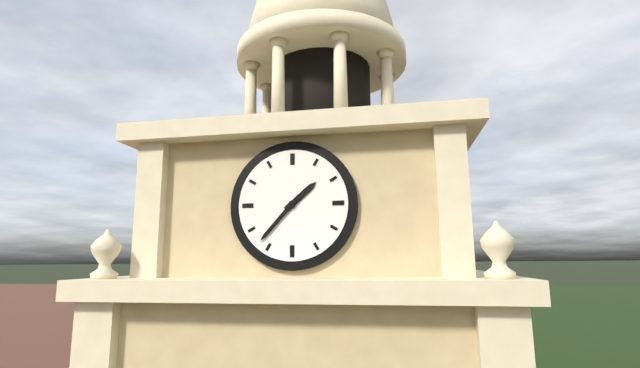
1:37
